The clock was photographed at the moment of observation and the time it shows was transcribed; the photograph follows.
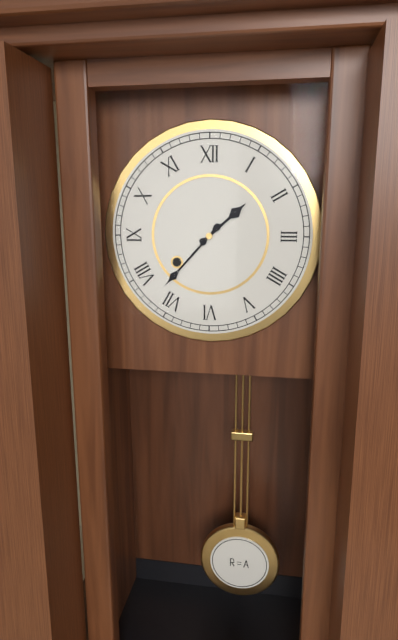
1:37
